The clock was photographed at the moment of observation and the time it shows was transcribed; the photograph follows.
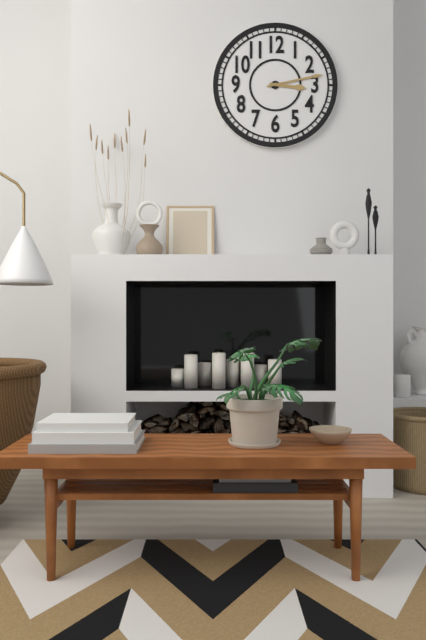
3:13
